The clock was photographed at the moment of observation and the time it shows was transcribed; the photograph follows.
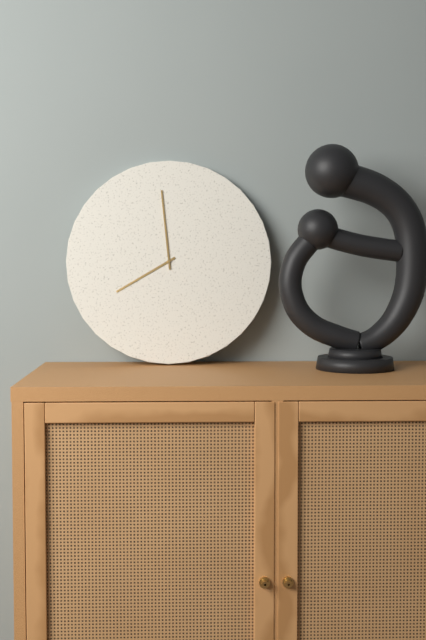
7:59
